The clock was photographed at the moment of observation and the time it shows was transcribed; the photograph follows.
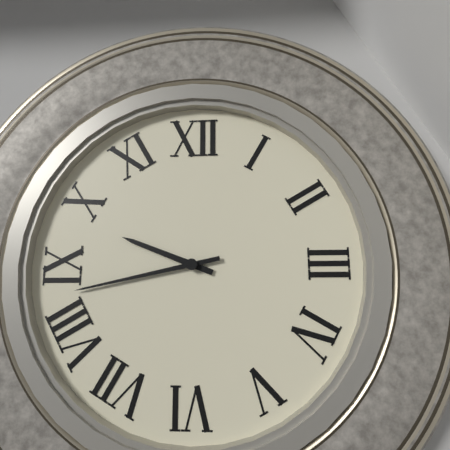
9:43
